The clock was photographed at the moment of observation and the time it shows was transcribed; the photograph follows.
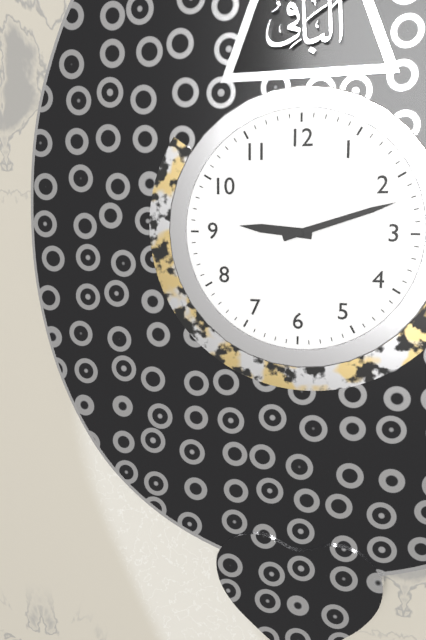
9:12
